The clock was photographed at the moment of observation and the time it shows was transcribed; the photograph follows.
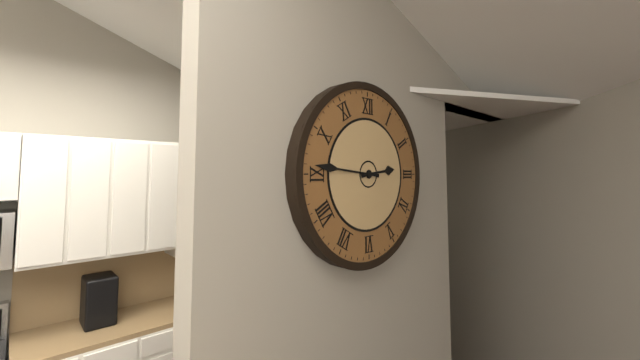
2:46
